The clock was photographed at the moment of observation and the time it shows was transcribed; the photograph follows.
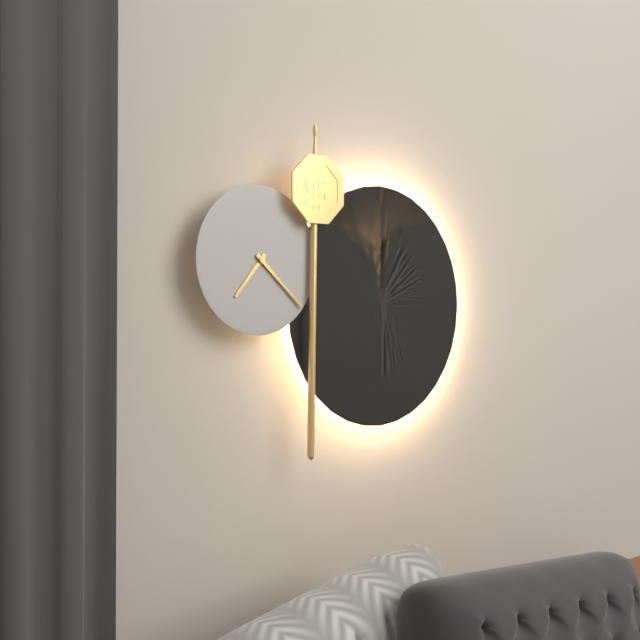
7:22
